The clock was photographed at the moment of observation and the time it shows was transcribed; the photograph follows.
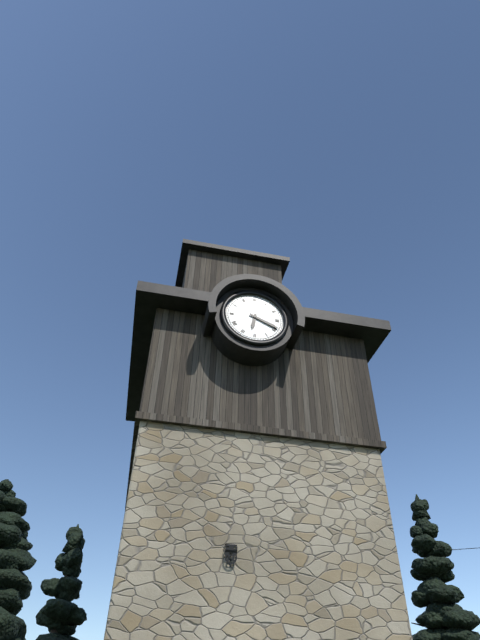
6:19
